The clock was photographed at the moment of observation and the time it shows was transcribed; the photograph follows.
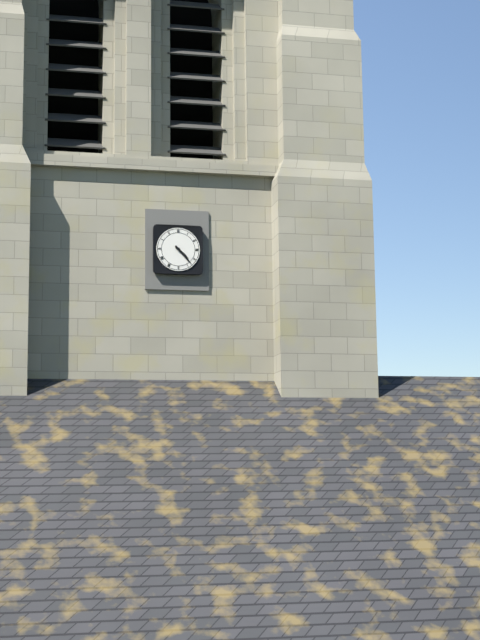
4:23
